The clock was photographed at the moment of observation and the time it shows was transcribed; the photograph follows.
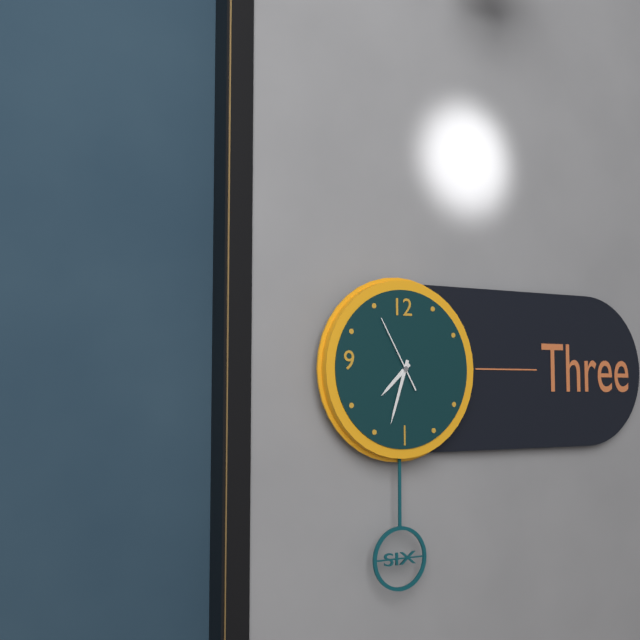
7:33:55
